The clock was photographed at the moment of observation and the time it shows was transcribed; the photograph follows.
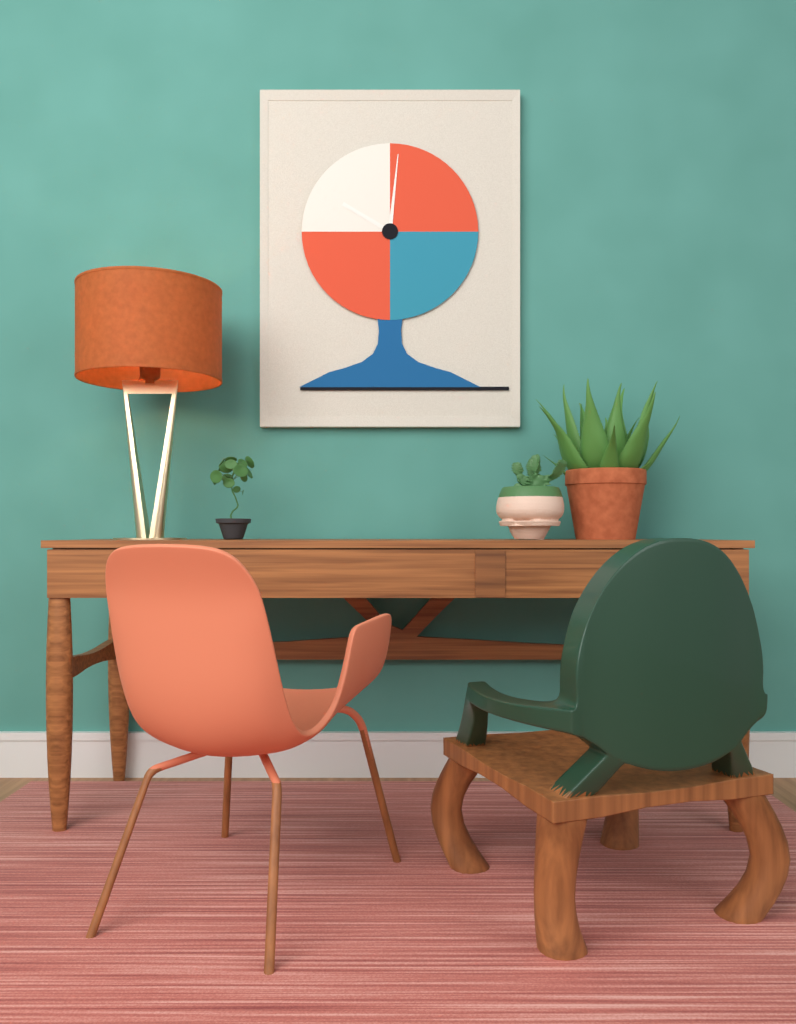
10:01
